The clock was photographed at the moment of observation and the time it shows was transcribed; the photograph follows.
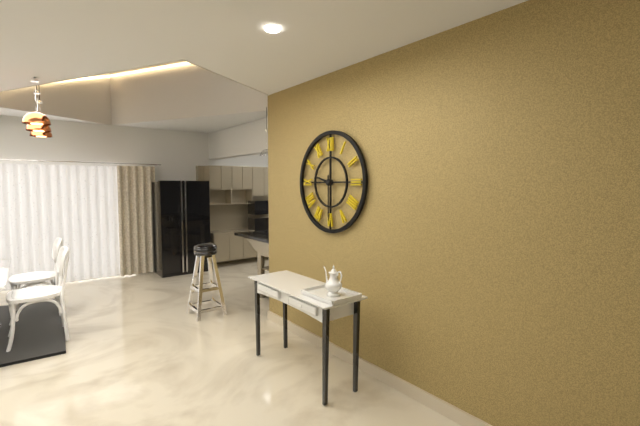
9:30
